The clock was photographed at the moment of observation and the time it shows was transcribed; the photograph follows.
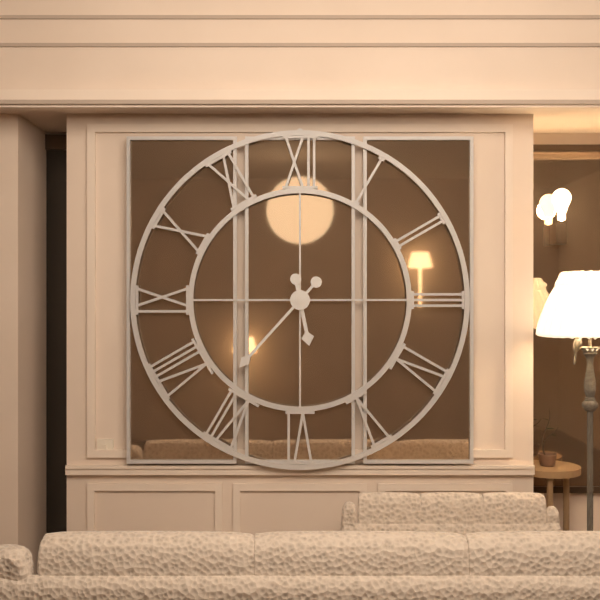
5:37
